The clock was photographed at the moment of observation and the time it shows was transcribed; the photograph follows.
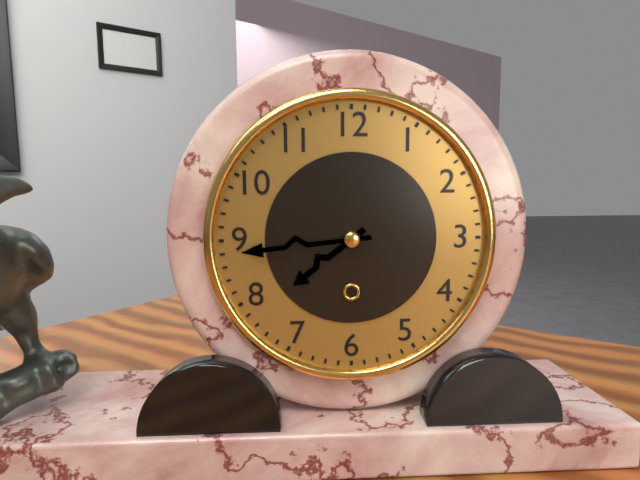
7:44
